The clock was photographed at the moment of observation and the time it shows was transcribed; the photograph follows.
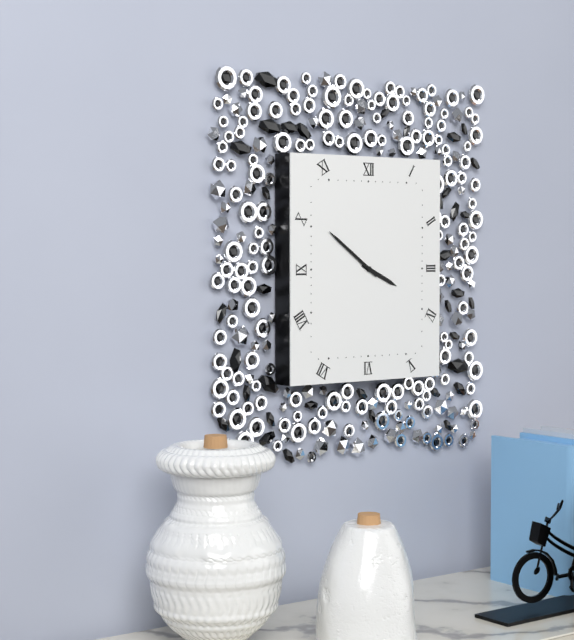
3:51
